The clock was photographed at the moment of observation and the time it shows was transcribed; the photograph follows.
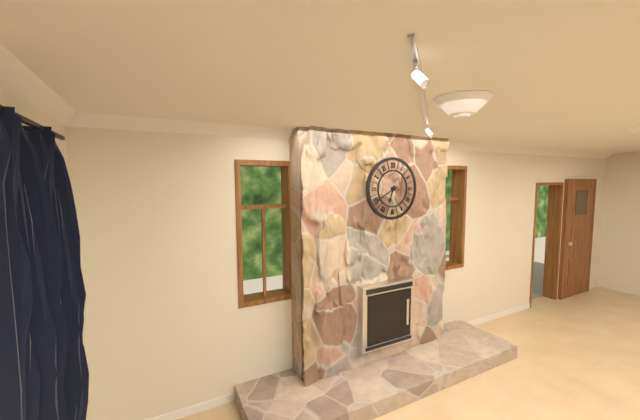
6:40
